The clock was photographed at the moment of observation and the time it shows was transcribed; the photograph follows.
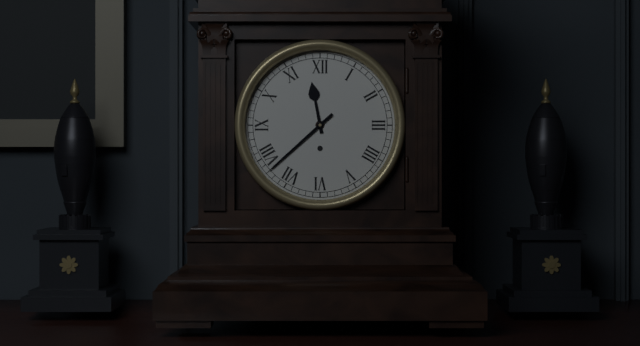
11:38
